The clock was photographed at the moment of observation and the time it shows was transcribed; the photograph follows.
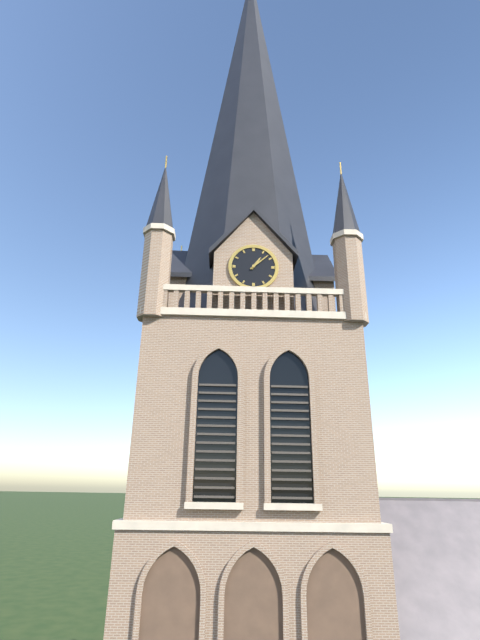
1:08
